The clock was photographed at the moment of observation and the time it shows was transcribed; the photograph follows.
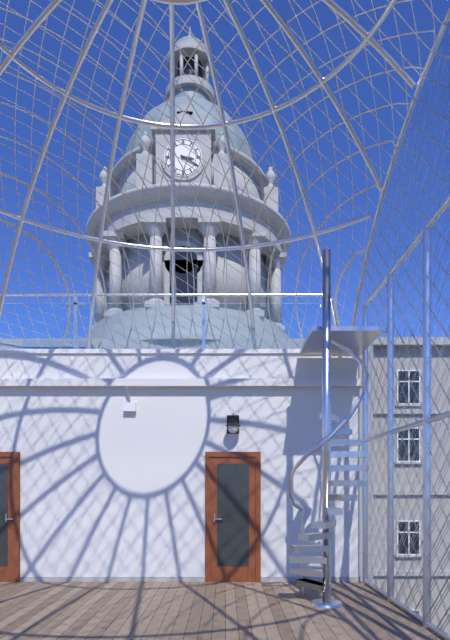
3:20
